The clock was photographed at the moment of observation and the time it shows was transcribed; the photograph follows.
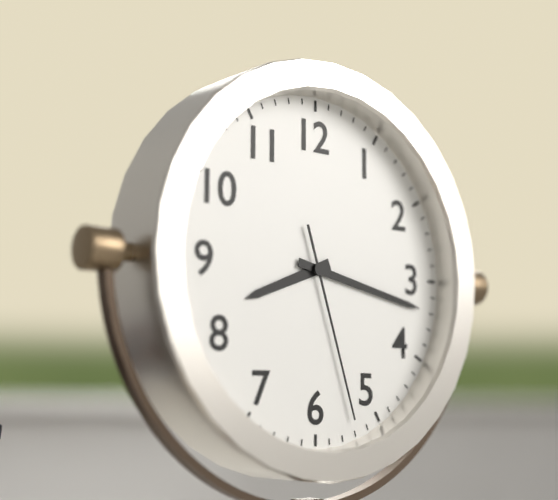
8:17:27
